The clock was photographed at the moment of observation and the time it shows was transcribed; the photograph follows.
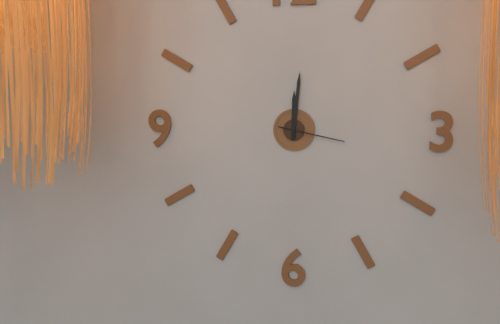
12:01:17
